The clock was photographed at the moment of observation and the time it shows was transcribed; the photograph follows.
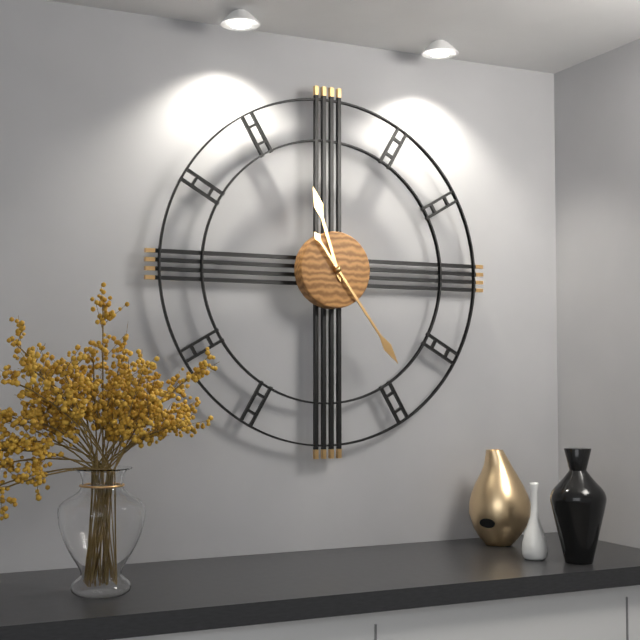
11:24
